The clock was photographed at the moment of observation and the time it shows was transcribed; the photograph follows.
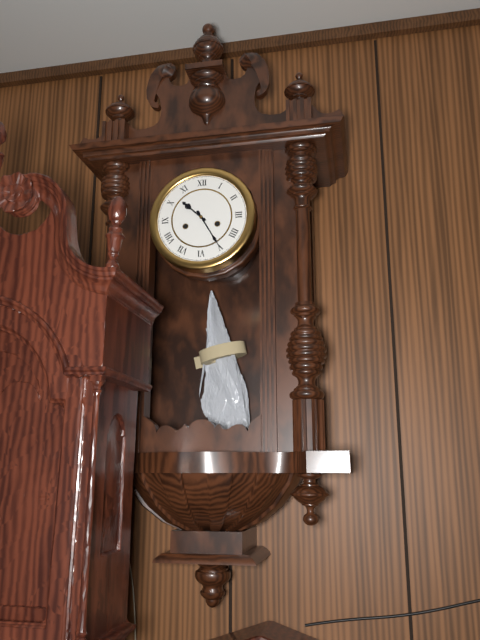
10:25
